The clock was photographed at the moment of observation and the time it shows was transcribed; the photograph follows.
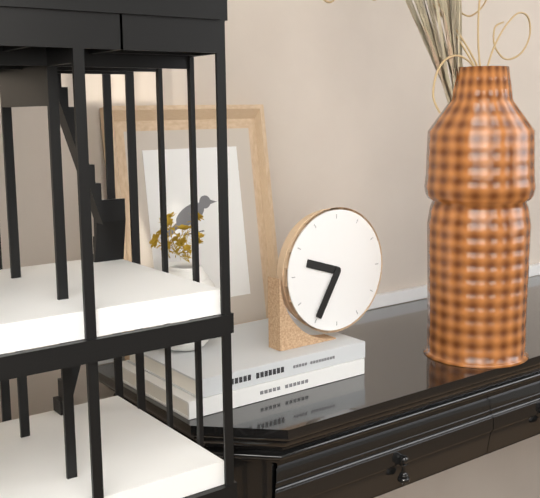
9:35
